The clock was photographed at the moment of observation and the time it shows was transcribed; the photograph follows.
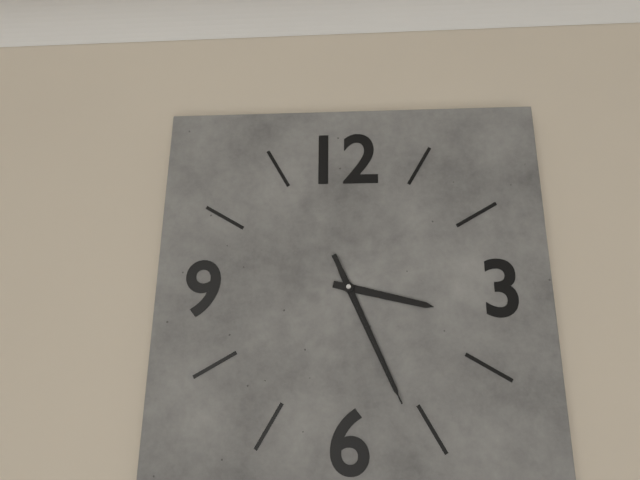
3:26:26
